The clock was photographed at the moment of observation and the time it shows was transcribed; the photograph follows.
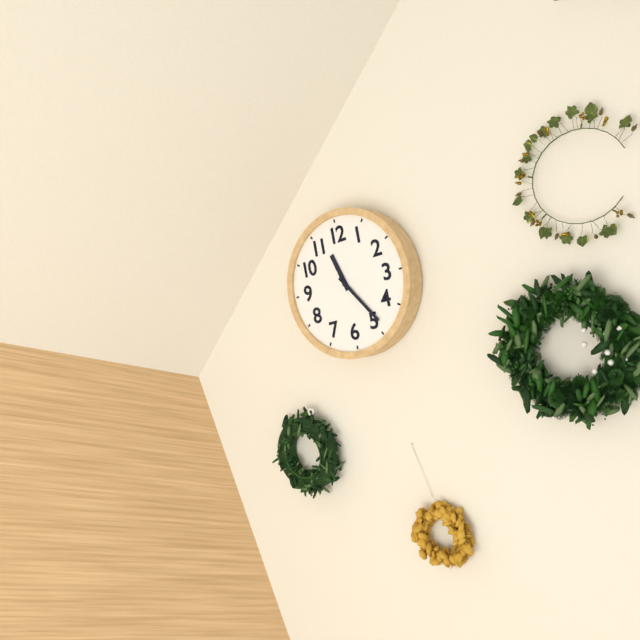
11:24
